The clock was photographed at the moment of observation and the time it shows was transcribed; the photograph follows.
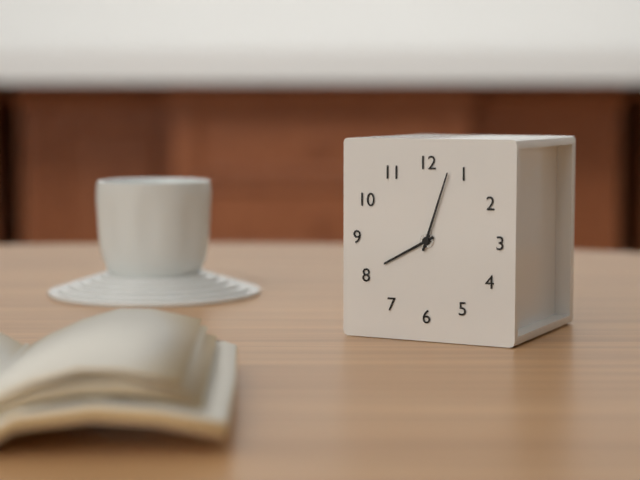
8:03
